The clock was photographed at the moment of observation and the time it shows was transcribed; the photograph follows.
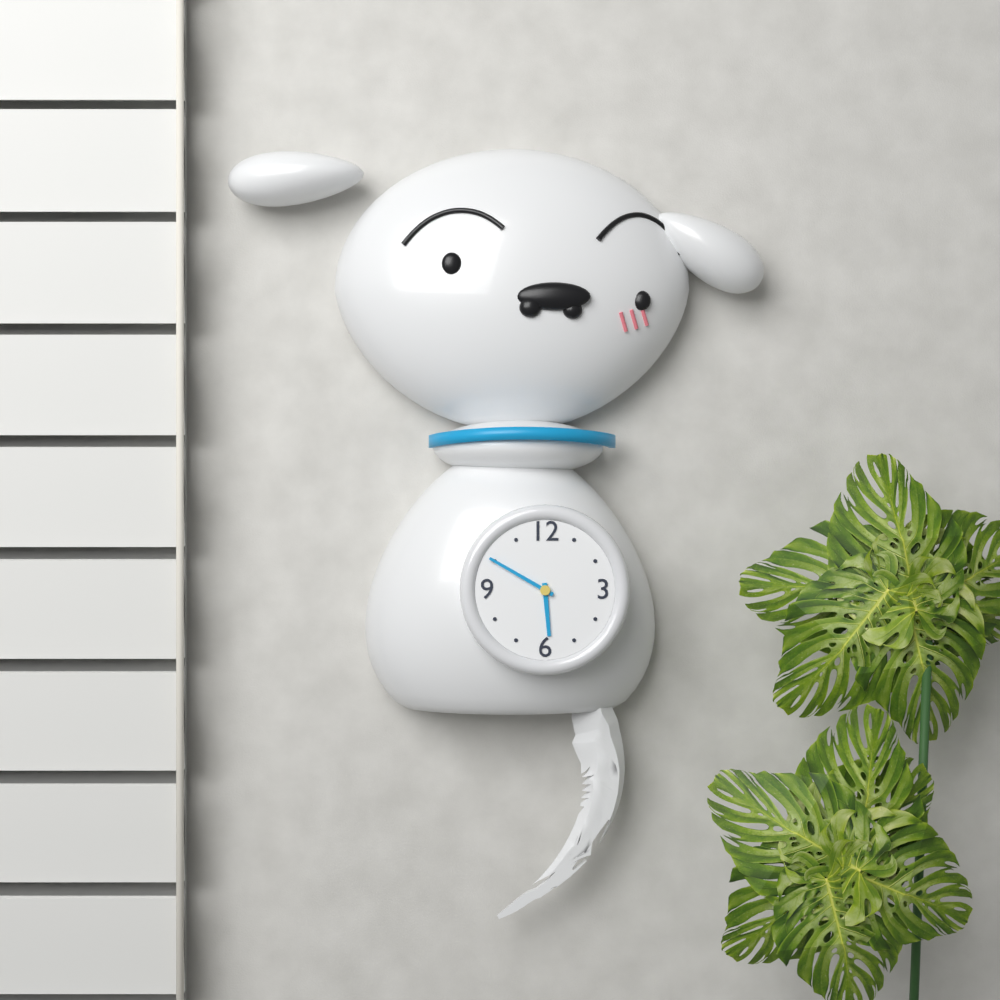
5:50
